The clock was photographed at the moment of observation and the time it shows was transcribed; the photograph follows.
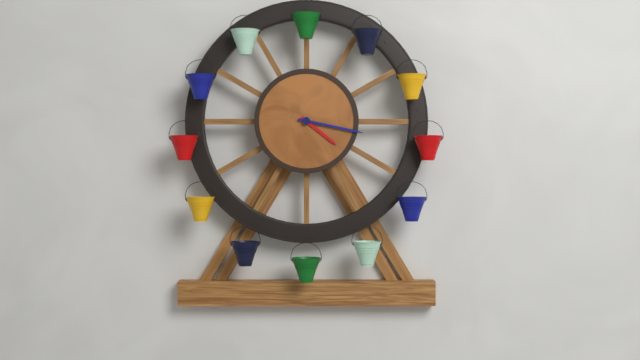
4:17
